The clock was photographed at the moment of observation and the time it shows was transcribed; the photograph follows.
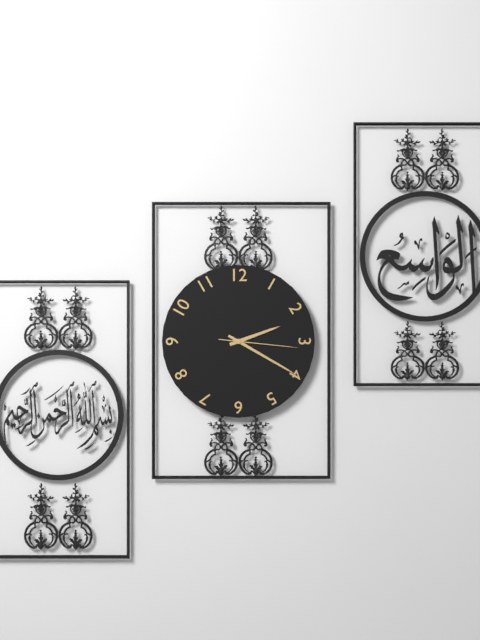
2:20:16
